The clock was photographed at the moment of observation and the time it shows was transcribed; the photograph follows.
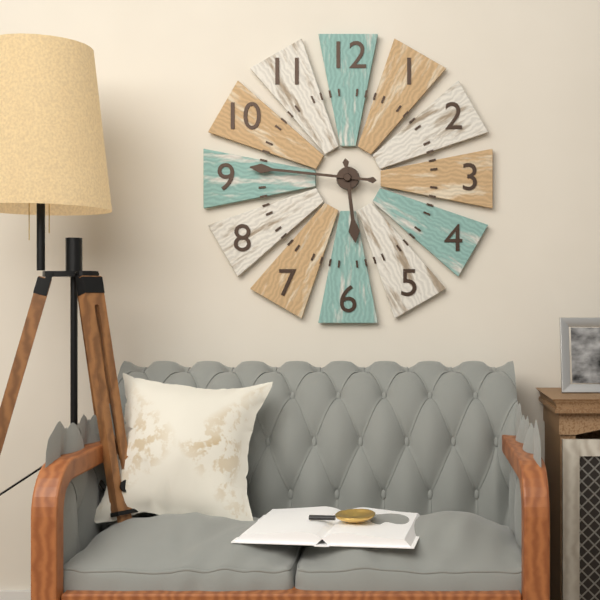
5:46
